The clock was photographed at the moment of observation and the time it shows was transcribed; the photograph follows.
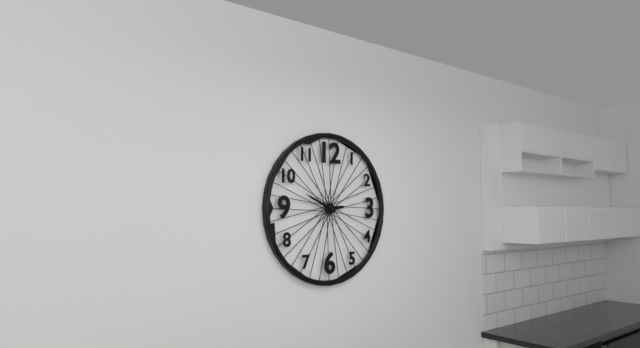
2:49
